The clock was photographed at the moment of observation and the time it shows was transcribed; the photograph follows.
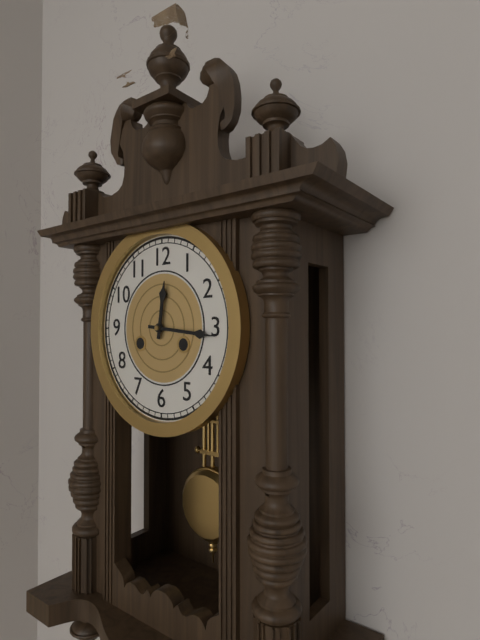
12:16
